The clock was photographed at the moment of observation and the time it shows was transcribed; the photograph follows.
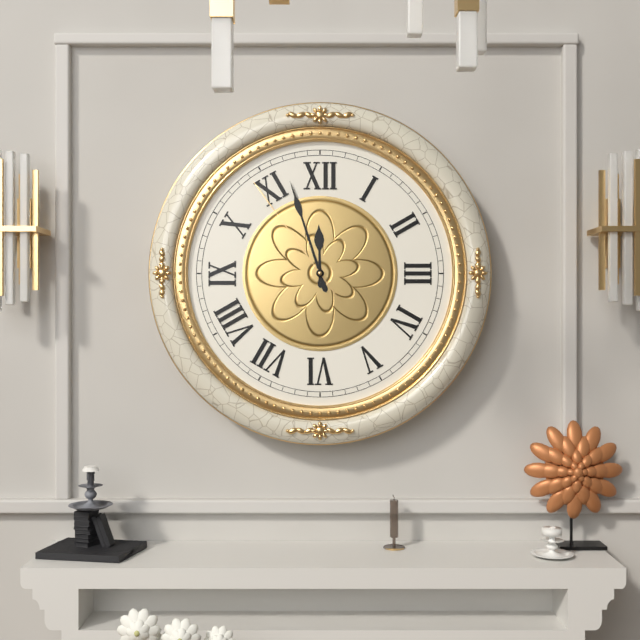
11:57:54
